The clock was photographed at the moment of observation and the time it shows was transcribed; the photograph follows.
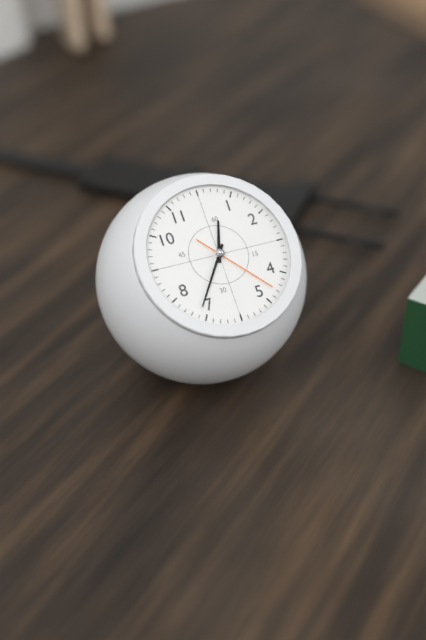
12:36:23
